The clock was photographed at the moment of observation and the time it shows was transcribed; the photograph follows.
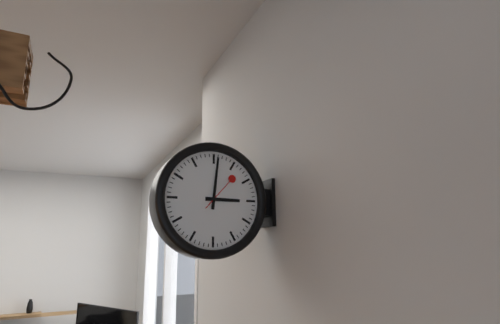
3:01
